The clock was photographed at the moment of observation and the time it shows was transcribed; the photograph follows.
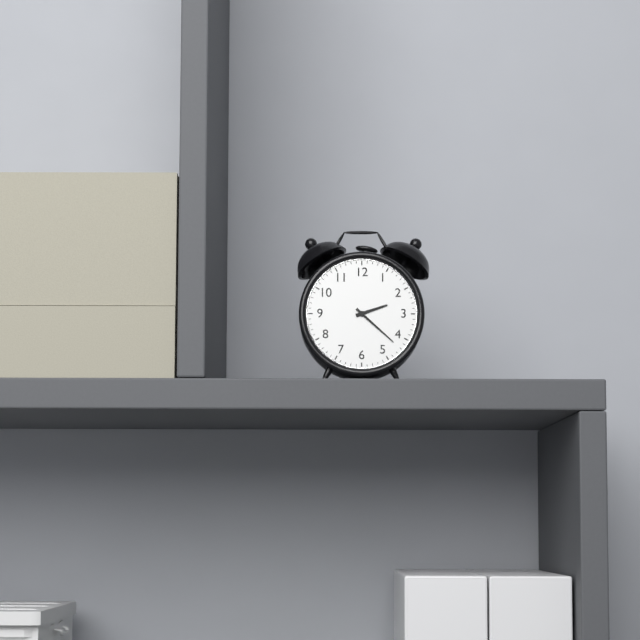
2:22
